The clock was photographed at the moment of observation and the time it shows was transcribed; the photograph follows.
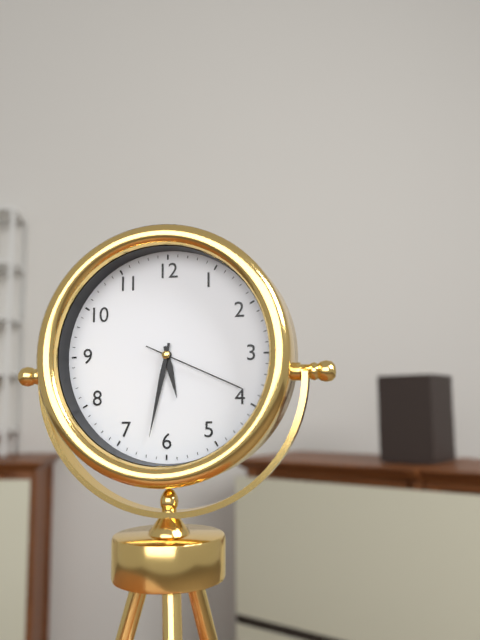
5:32:19
